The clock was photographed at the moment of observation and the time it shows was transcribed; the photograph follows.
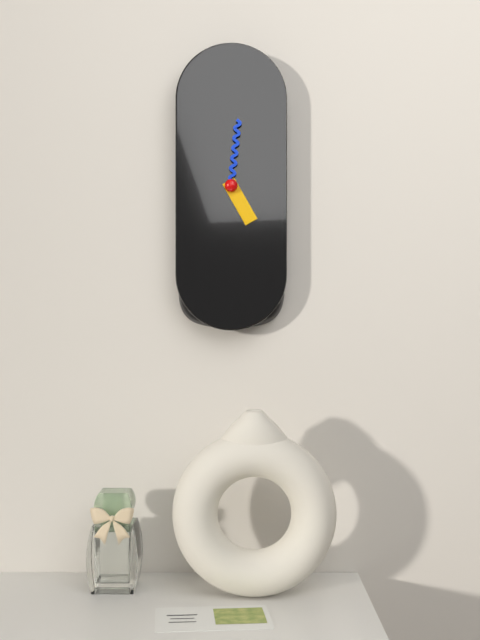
5:01
